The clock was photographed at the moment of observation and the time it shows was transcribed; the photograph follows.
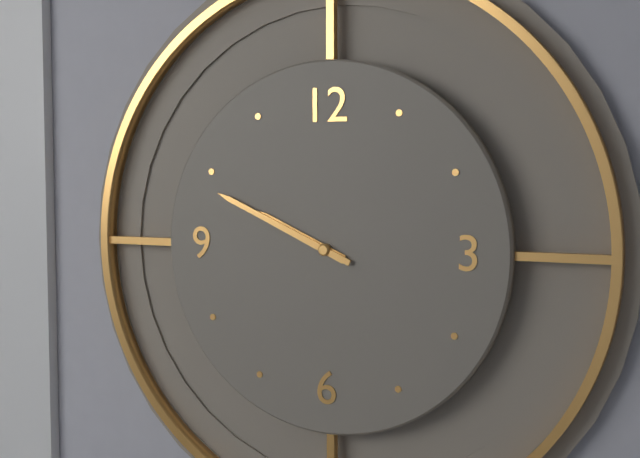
9:49
